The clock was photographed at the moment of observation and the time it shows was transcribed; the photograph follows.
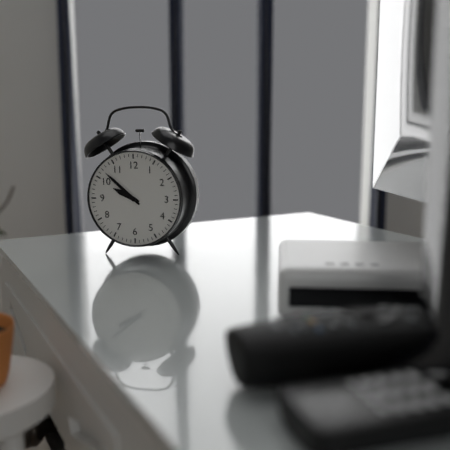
9:52
